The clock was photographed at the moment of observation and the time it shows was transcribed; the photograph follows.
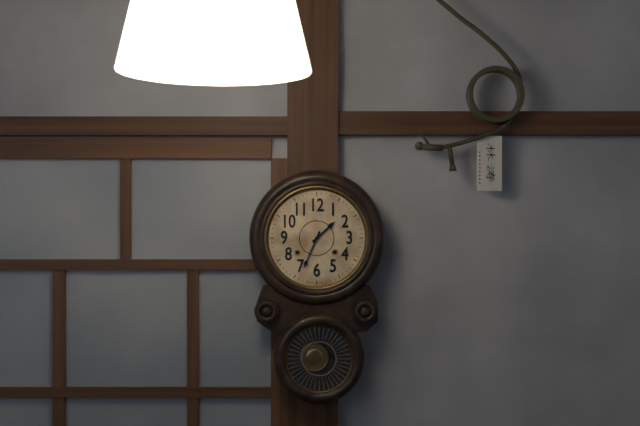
1:34
